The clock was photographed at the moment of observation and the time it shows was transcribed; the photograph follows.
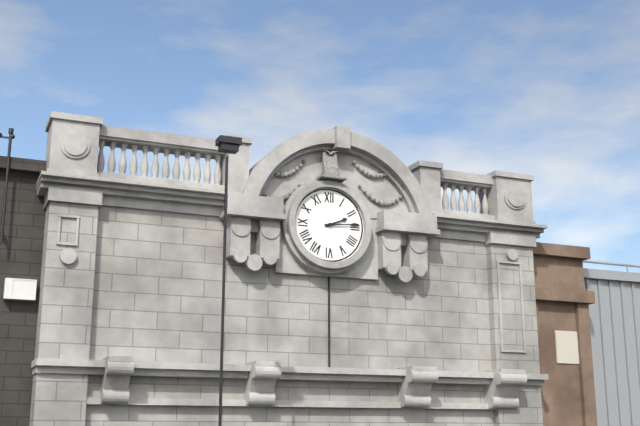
2:14
